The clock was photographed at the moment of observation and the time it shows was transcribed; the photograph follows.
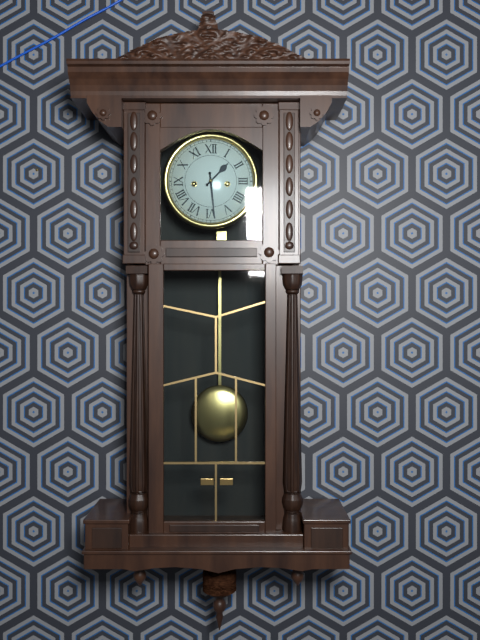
1:29
